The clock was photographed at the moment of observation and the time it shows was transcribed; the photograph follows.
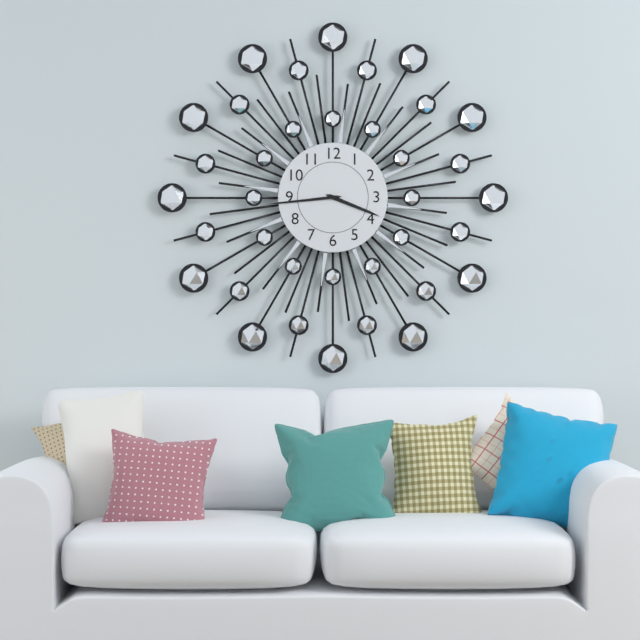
3:44
